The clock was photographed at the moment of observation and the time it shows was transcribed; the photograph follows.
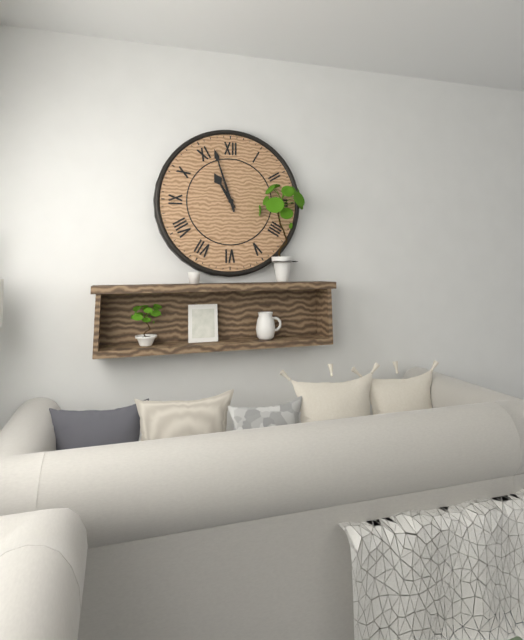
10:57
